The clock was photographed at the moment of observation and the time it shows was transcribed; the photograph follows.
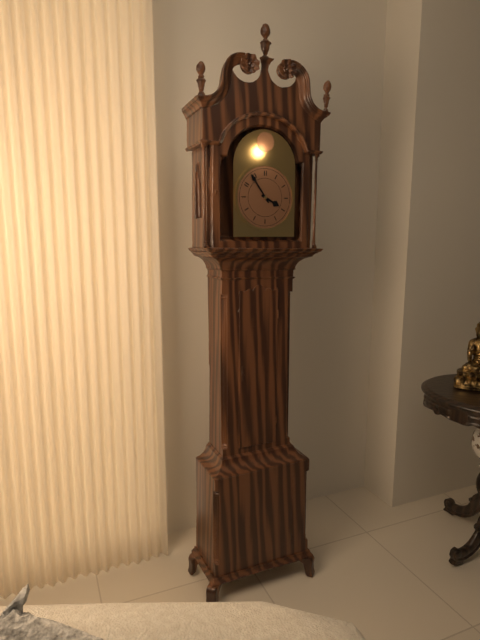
3:54
